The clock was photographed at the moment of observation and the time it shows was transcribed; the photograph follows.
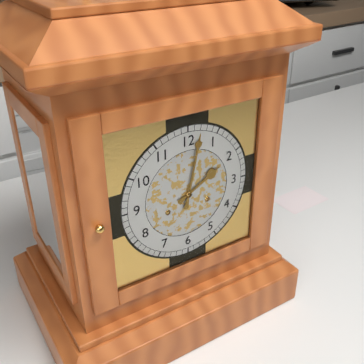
2:02
